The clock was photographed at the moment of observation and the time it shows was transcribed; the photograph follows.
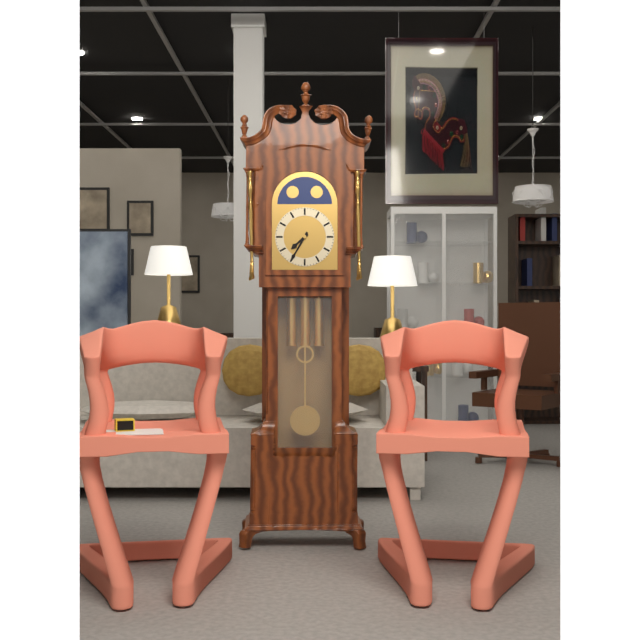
7:35
